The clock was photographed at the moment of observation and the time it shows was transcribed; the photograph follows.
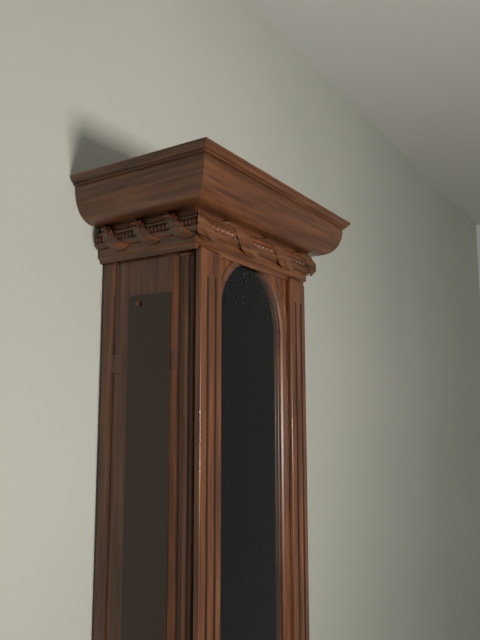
1:26
